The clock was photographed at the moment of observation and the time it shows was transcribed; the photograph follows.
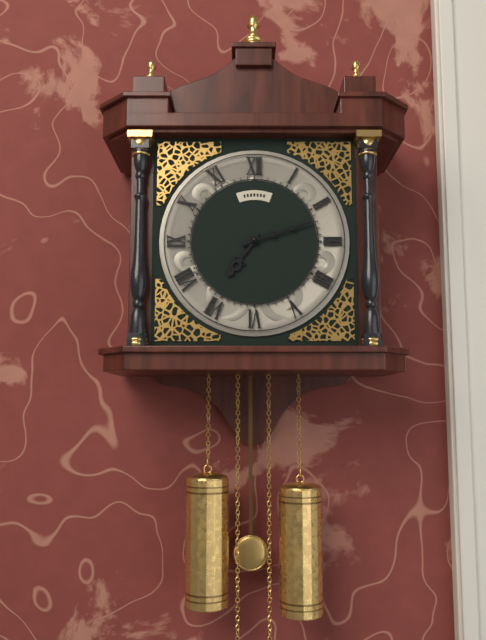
7:12
